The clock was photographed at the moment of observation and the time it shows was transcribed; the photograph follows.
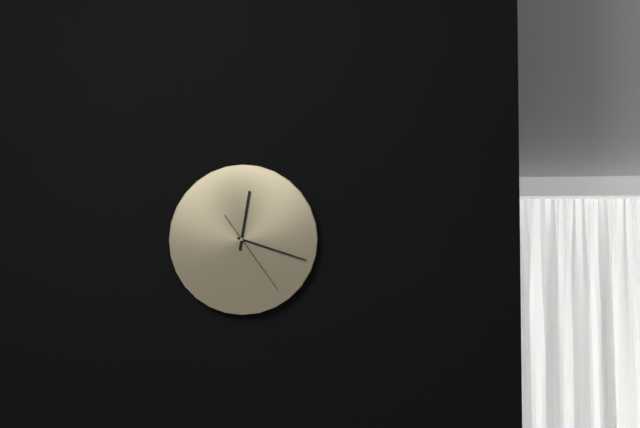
12:18:24
